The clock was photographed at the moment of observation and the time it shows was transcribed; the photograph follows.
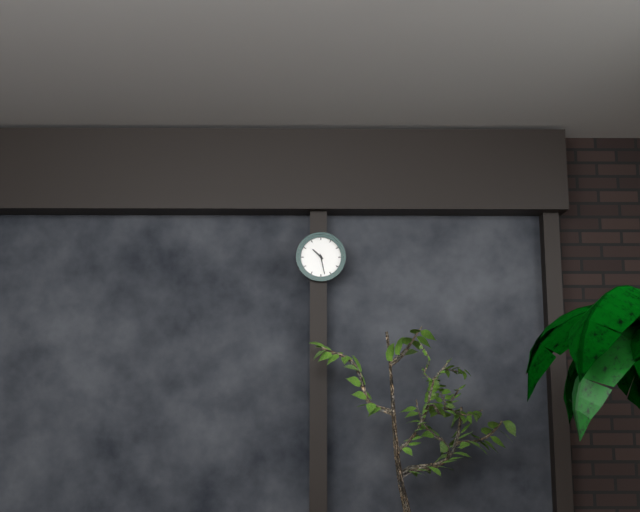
10:28
